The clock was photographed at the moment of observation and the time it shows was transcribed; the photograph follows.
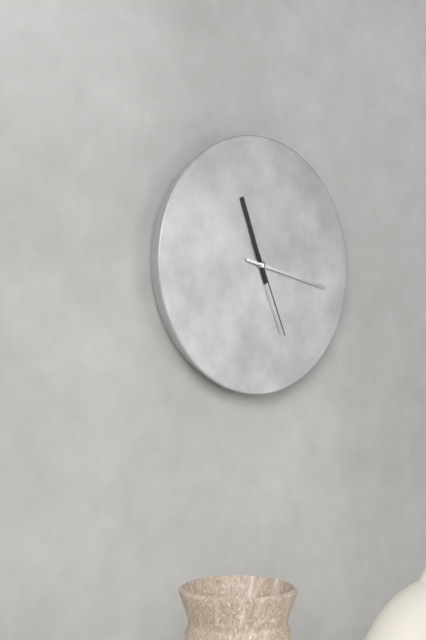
11:17:26
